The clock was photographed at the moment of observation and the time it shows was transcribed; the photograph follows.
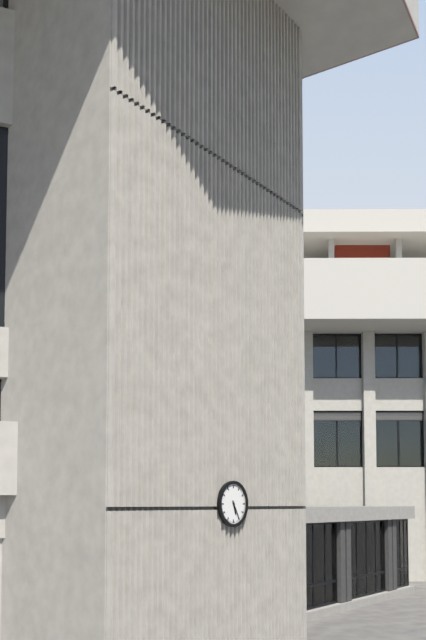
5:25
